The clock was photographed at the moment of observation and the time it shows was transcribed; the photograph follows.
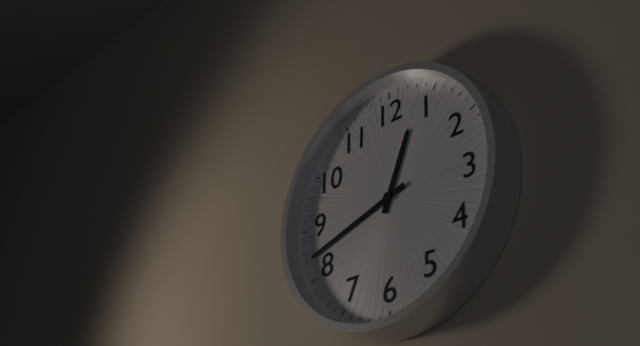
12:42
